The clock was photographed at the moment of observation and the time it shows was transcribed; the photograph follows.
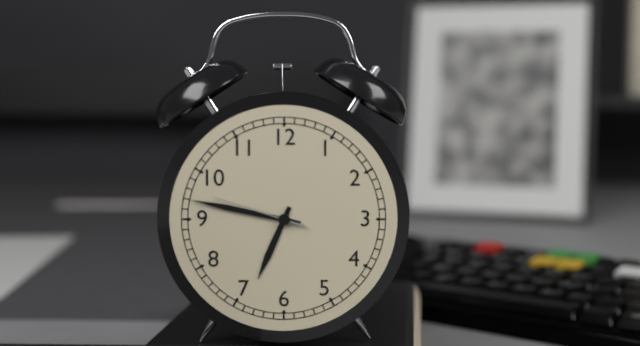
6:47:48
